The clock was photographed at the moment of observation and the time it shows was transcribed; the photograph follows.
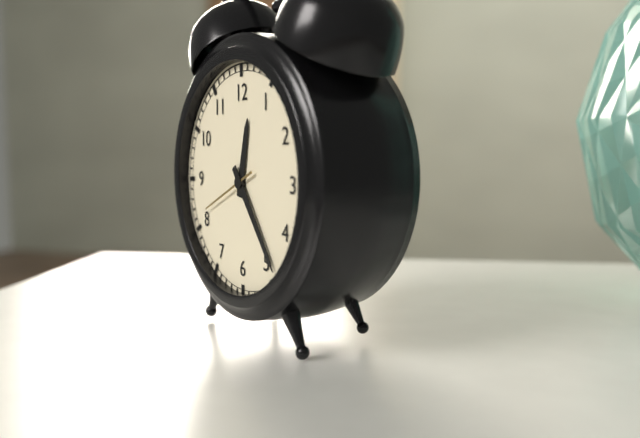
12:24:41
